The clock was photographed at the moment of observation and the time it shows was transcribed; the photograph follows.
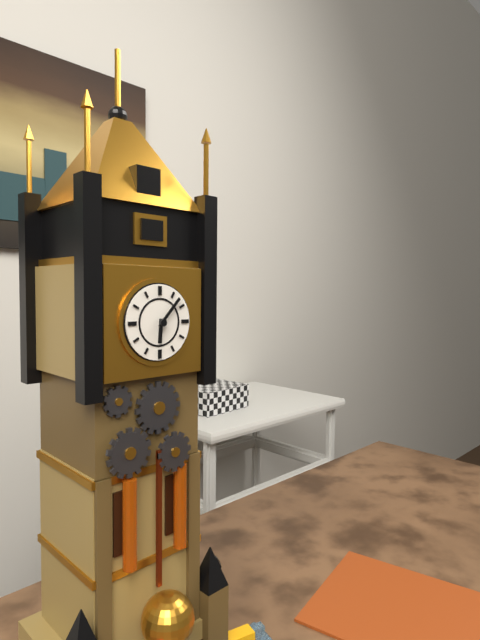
6:07
